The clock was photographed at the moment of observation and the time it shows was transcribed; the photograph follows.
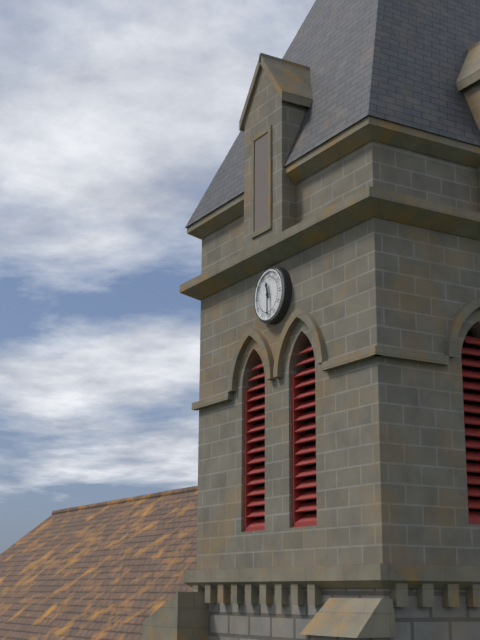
11:30
